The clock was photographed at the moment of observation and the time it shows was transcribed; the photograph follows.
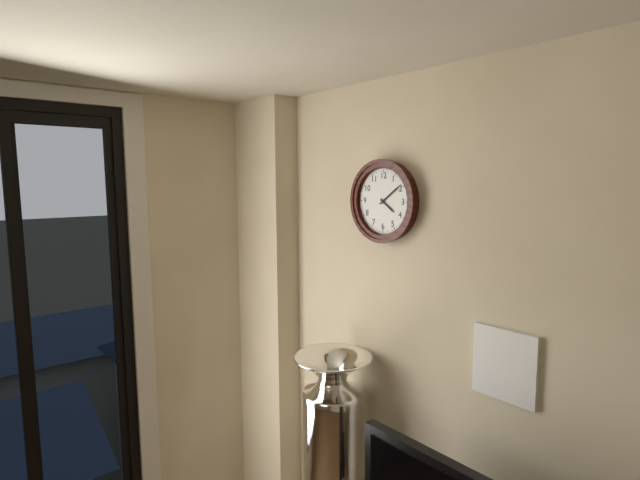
4:09
